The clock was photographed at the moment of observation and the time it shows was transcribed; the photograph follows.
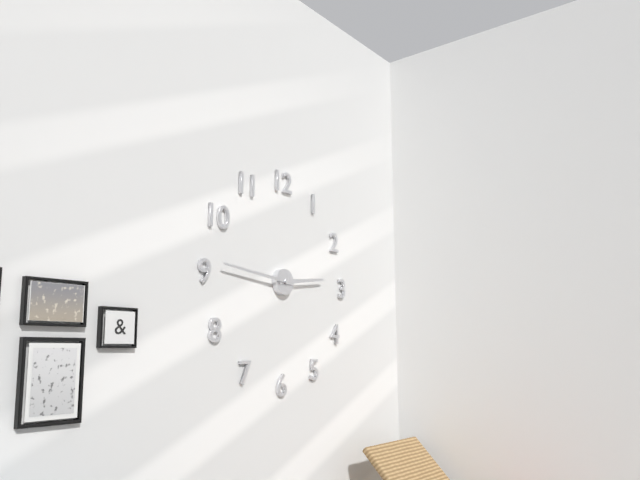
2:46
